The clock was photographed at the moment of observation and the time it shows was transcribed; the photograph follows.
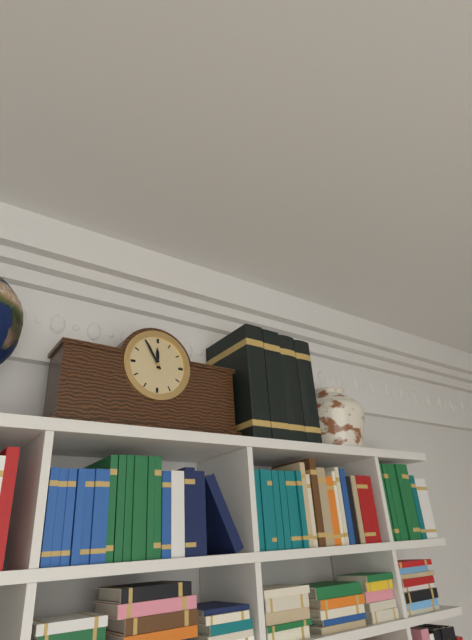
11:55
